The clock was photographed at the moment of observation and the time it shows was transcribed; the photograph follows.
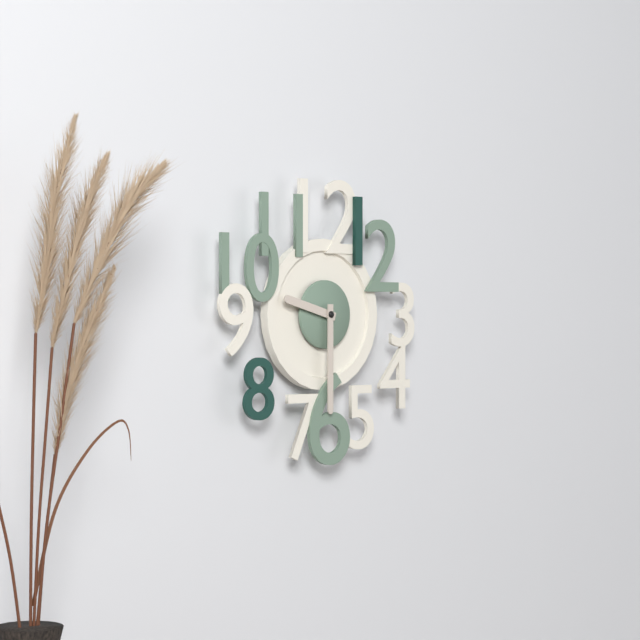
9:30
